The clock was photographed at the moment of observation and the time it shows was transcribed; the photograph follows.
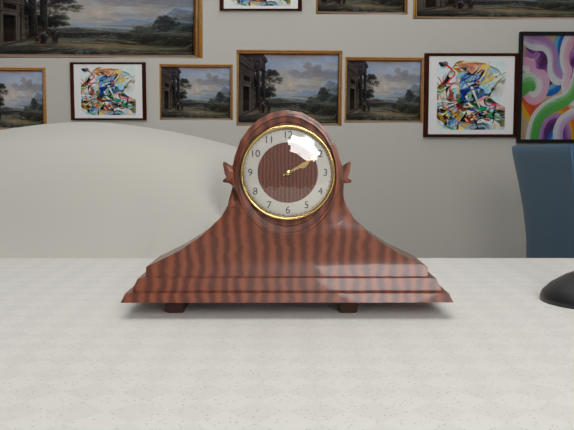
2:10
